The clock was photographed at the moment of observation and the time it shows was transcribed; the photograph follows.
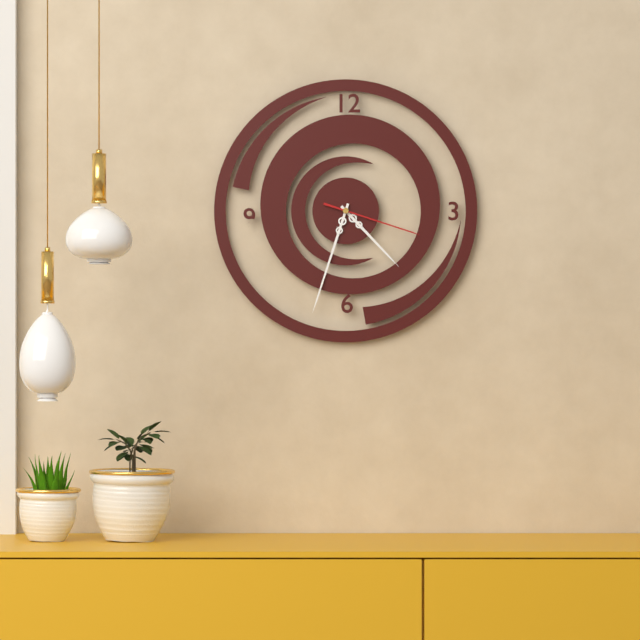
4:33:18
